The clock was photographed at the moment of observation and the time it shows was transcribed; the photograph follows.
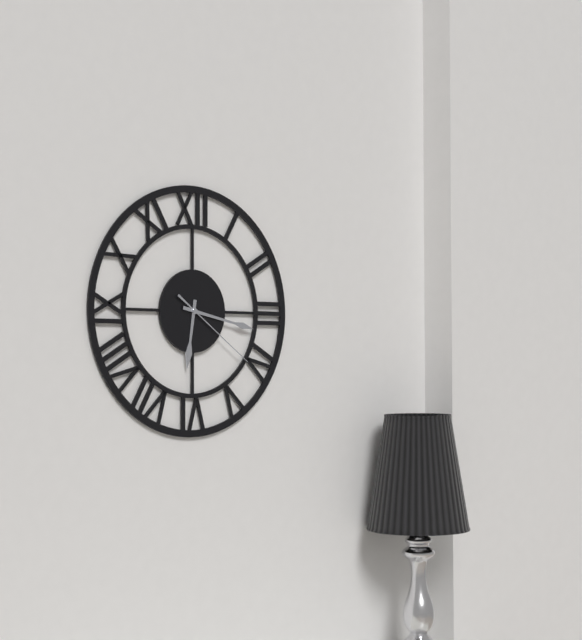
6:17:21
